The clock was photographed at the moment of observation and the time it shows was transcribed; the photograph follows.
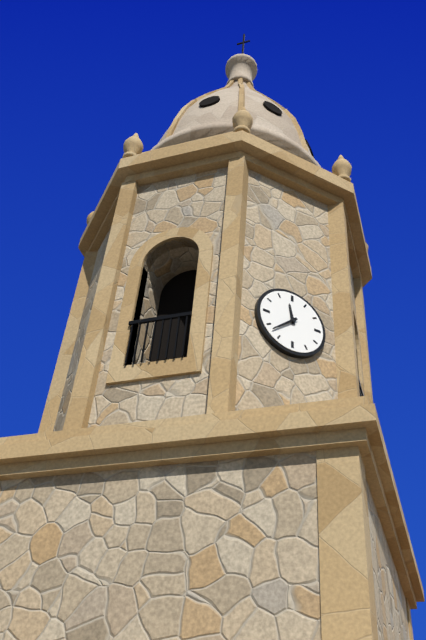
11:38
